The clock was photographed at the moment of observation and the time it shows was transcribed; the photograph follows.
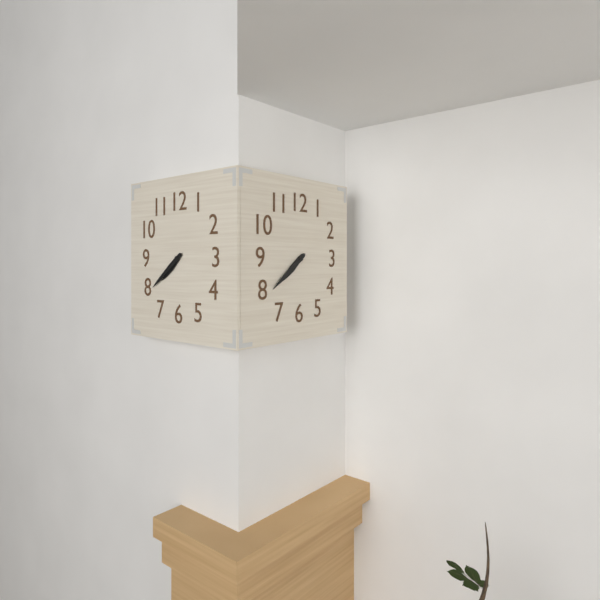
7:39
